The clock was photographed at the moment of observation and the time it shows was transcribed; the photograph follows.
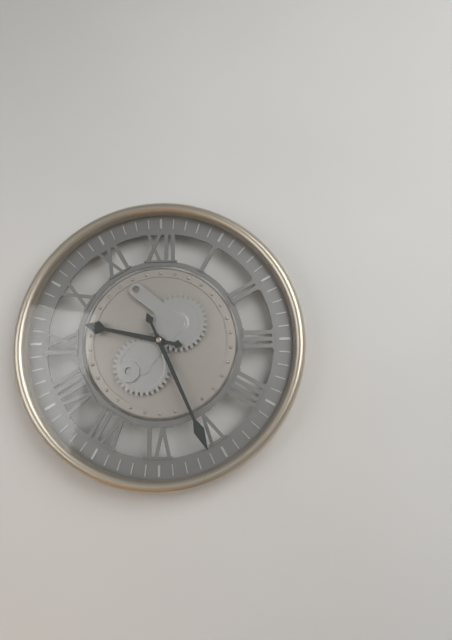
9:26
